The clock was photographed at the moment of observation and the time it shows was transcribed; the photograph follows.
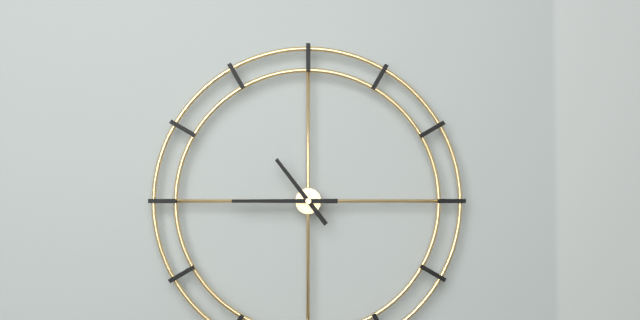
10:45
